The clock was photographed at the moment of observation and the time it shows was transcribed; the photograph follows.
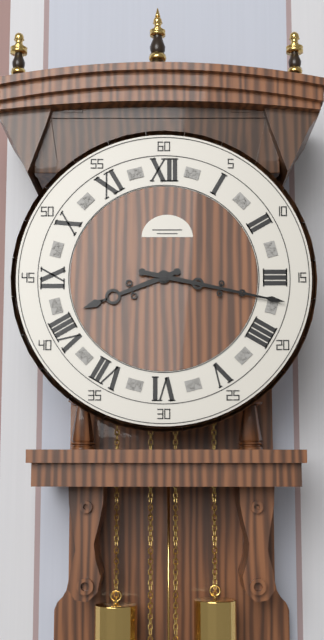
8:17
